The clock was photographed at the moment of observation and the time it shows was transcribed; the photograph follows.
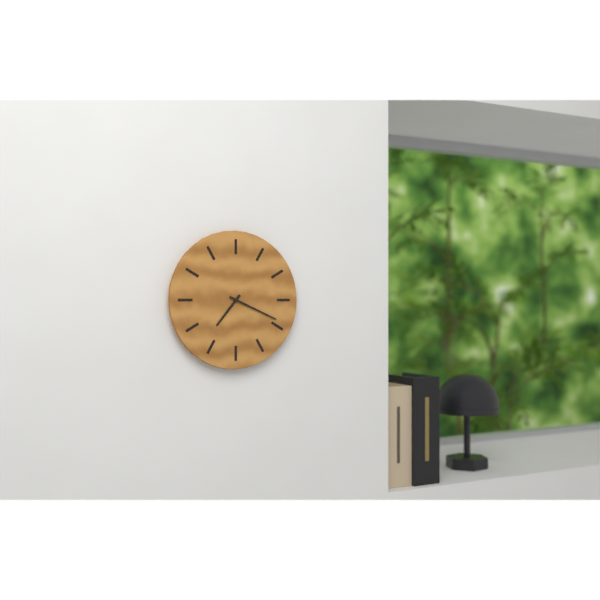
7:19
